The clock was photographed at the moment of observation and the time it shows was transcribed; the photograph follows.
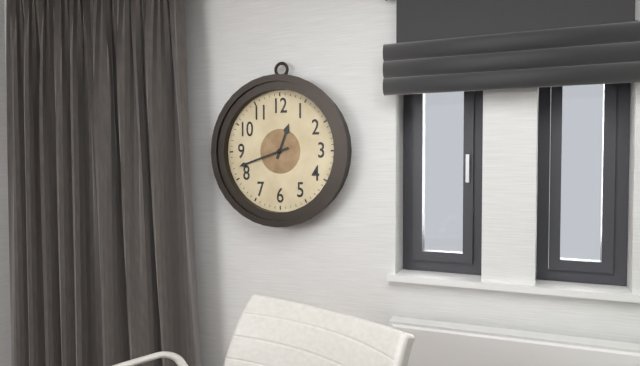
12:42
